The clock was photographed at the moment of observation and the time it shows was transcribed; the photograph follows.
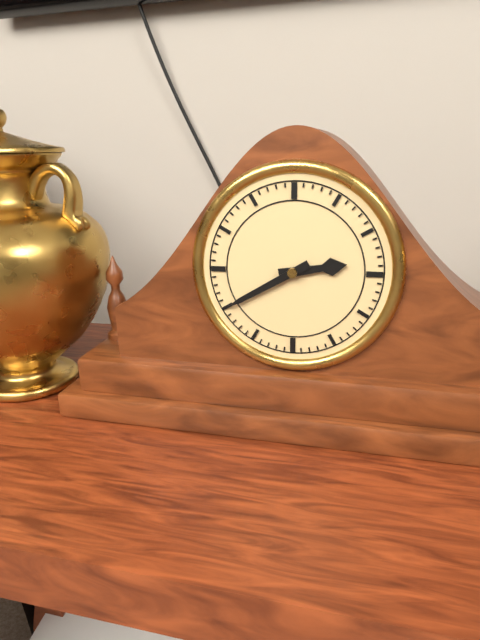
2:40
